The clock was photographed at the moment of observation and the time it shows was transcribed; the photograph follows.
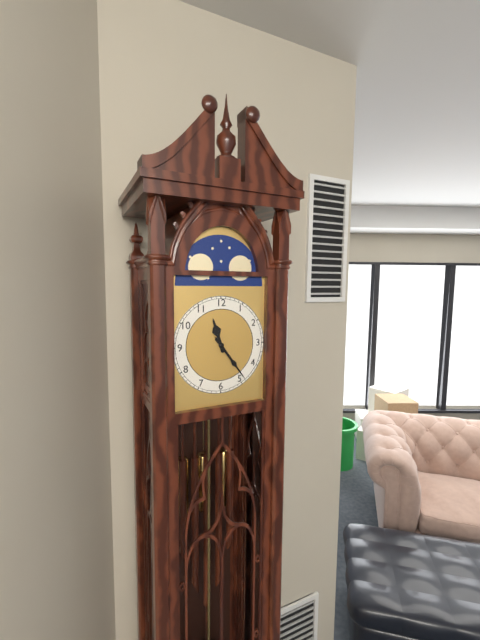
11:24
